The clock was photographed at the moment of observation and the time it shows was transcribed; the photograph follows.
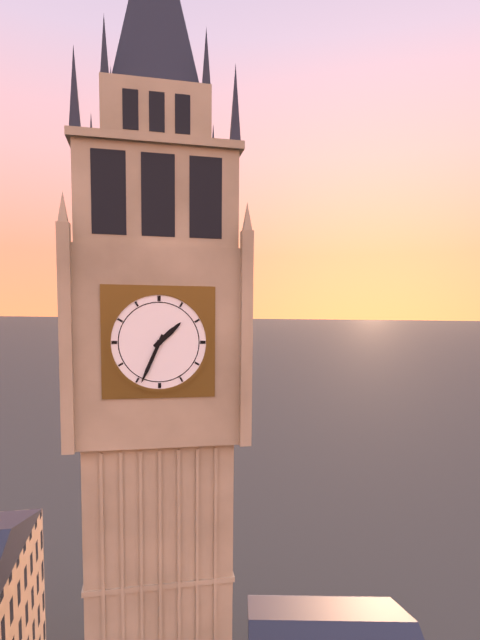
1:34
